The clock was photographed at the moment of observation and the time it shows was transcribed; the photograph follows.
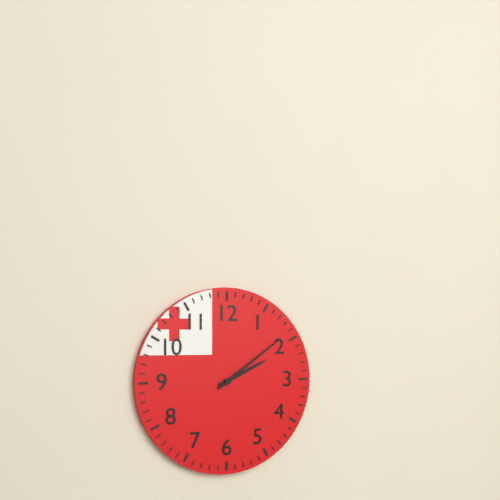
2:09
